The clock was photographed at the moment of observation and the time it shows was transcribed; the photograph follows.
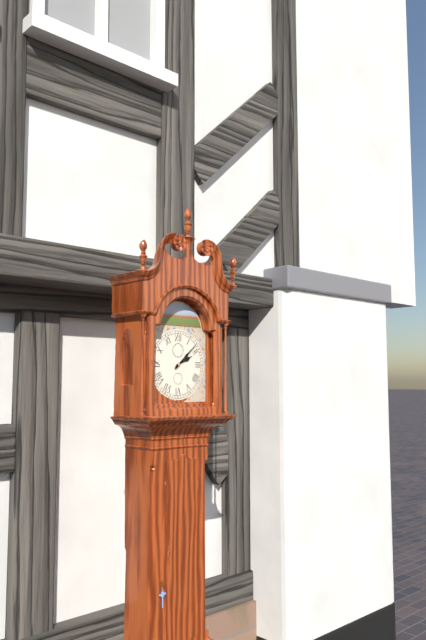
2:08
